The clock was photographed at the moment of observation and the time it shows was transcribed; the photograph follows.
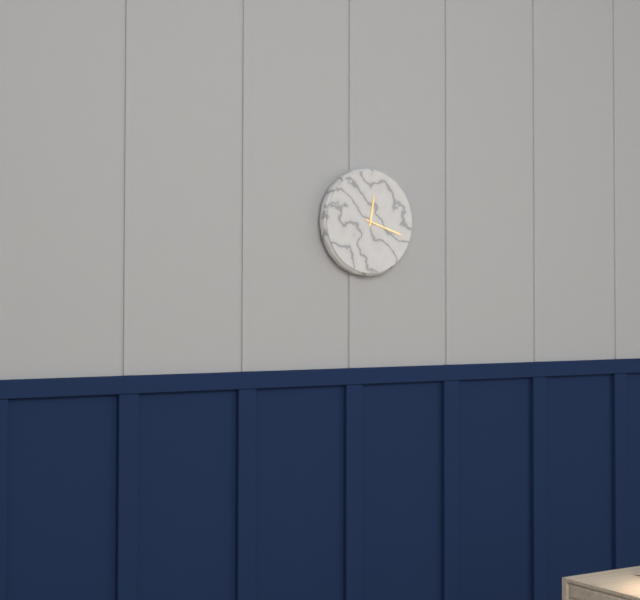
12:18
